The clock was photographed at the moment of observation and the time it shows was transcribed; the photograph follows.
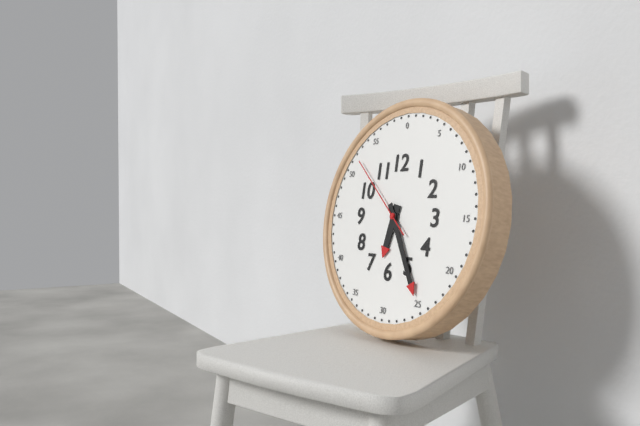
6:25:52
